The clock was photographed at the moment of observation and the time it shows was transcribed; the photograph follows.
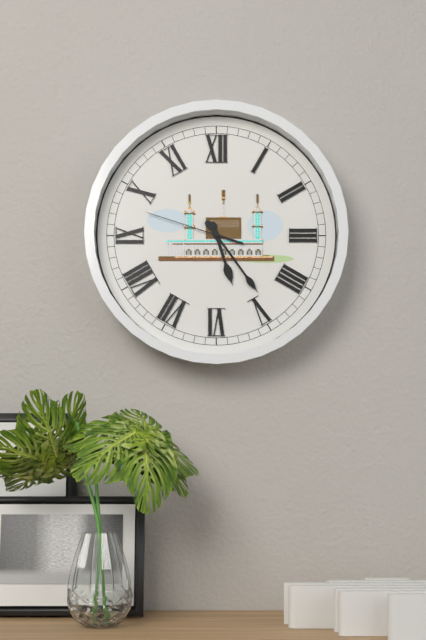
5:24:48
